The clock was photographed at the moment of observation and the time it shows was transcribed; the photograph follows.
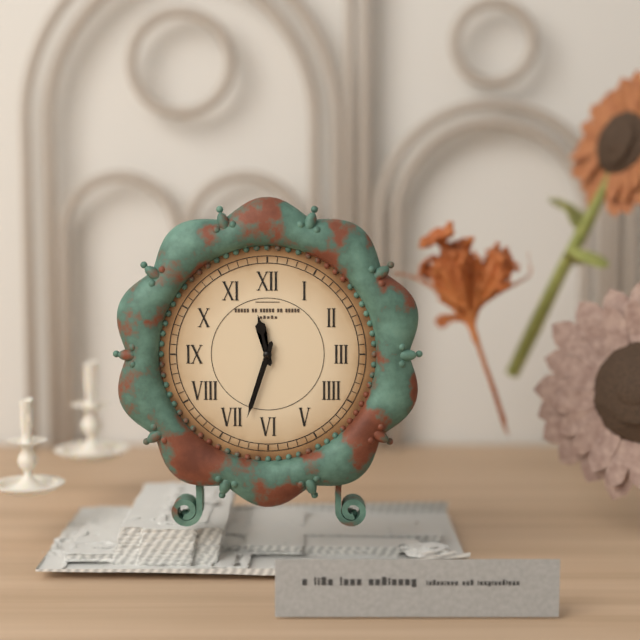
11:33
